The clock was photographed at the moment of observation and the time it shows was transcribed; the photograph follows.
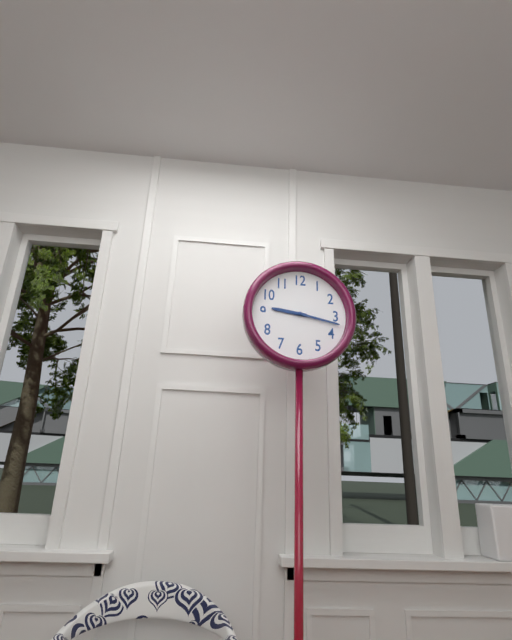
9:17
